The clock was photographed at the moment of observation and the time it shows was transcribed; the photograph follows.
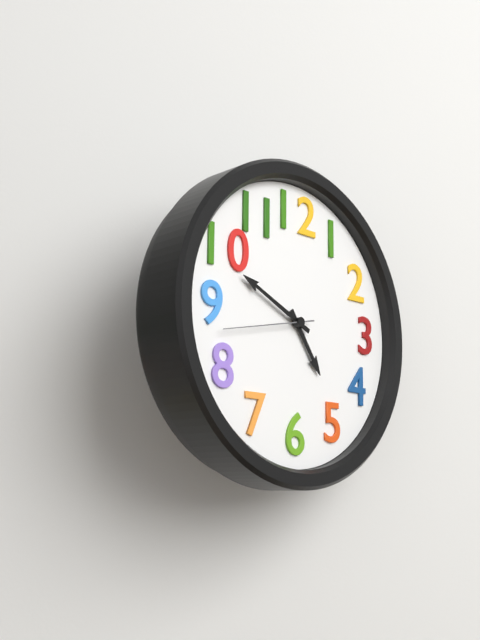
4:49:43
